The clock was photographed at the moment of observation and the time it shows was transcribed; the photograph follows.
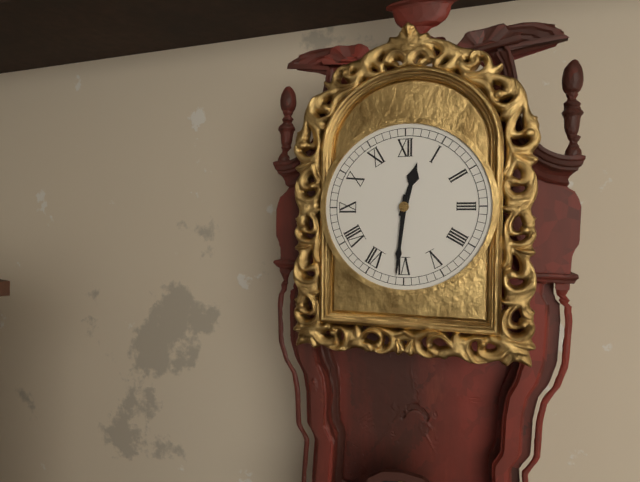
12:31
